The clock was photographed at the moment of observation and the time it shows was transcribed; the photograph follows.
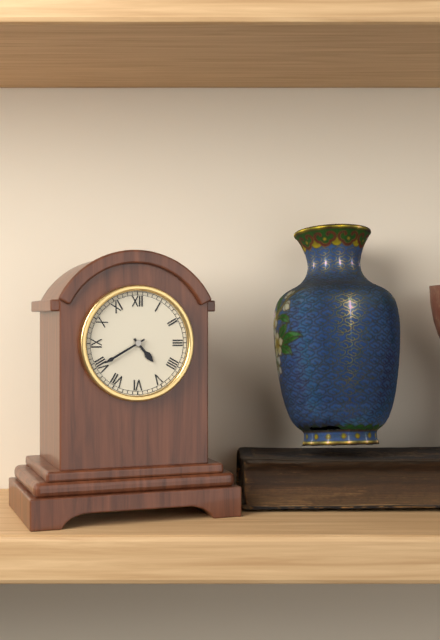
4:40
